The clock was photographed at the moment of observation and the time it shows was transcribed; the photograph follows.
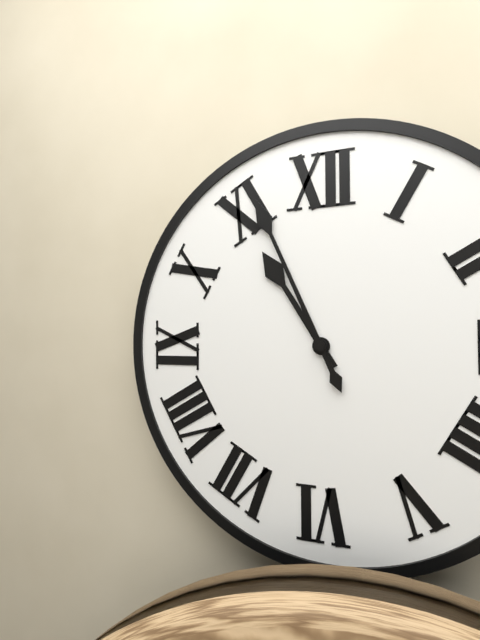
10:56
